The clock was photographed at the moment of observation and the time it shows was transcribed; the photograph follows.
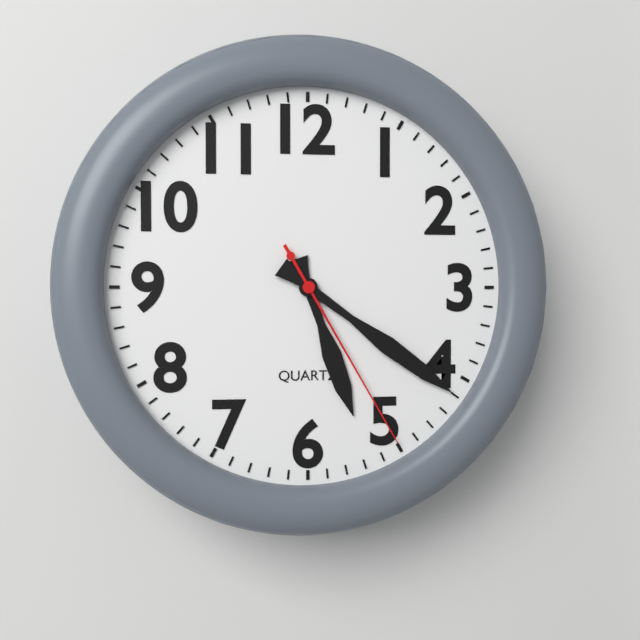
5:21:25
